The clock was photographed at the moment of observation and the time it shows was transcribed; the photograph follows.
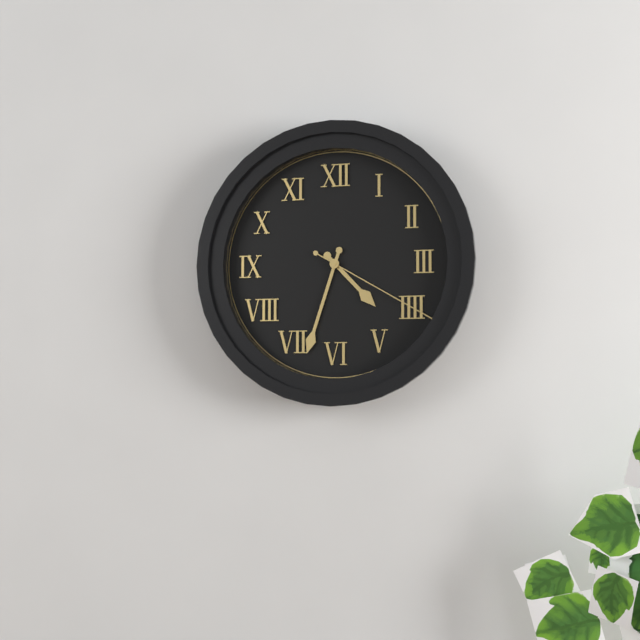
4:33:20
